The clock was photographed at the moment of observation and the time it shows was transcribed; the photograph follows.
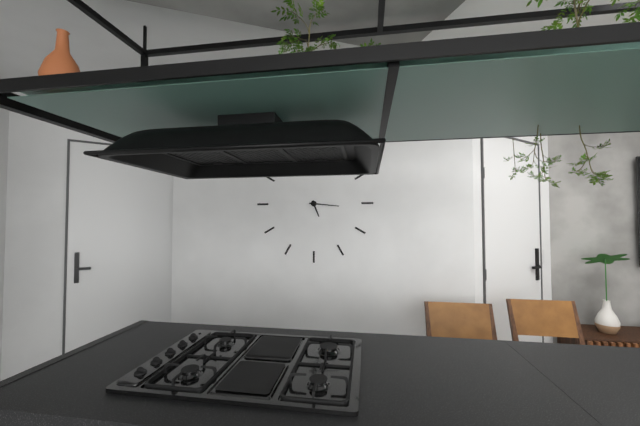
5:16
